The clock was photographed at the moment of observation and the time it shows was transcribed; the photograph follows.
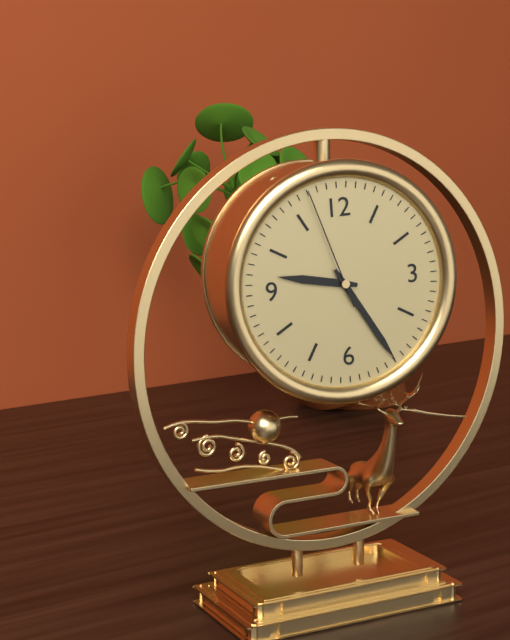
9:25:57
